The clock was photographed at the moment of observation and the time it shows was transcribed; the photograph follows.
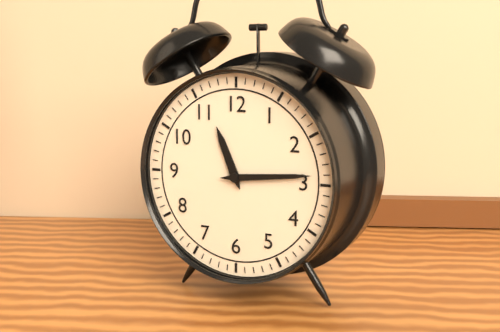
11:14
